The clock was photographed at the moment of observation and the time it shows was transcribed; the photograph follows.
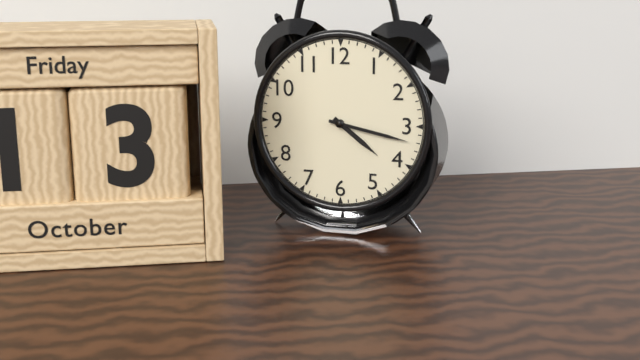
4:17
